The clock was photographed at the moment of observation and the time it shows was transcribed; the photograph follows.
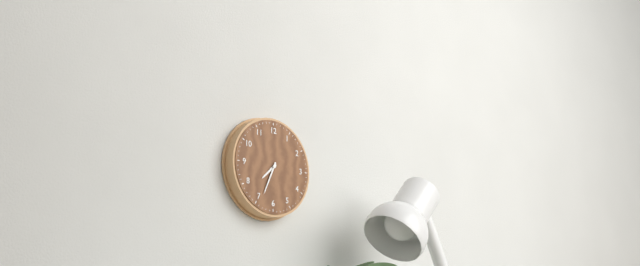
7:34
